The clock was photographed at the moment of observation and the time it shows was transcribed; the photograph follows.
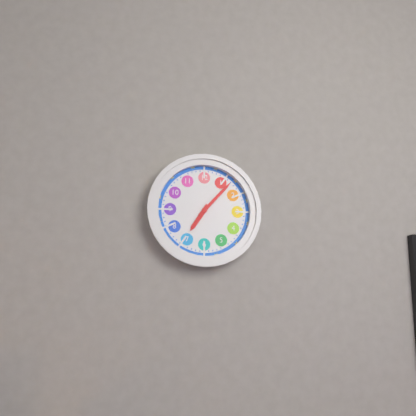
7:07
